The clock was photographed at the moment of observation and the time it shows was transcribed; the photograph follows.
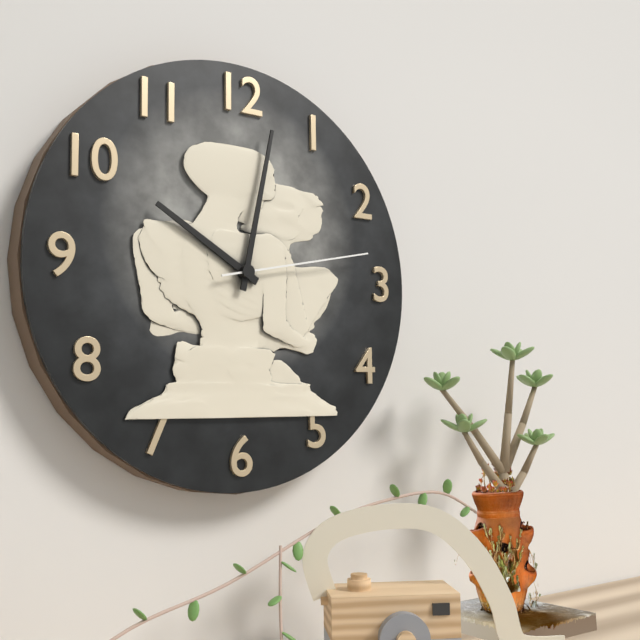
10:02:13
